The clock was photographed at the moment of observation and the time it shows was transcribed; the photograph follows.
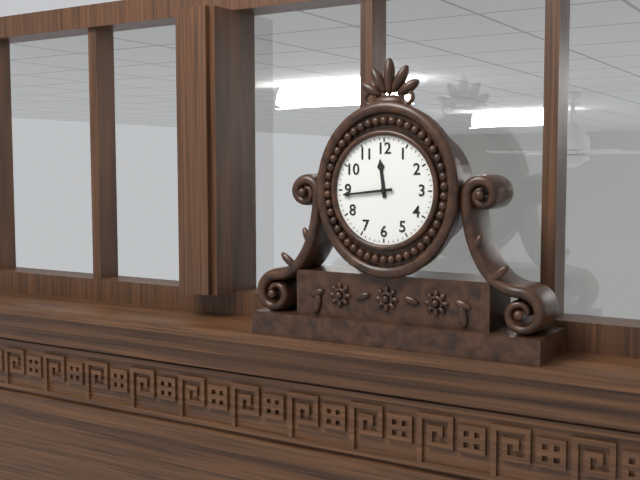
11:44
